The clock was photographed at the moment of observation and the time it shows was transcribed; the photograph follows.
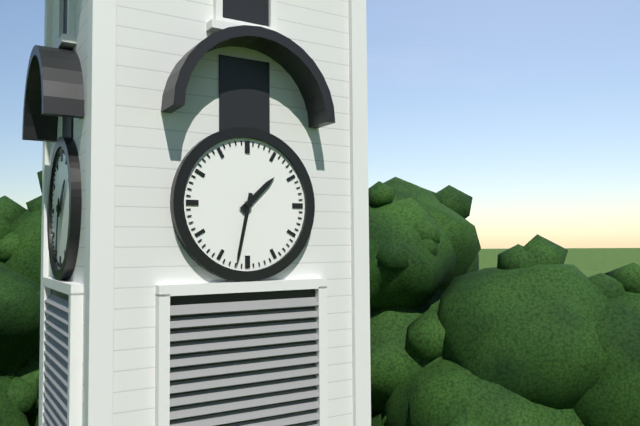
1:32
